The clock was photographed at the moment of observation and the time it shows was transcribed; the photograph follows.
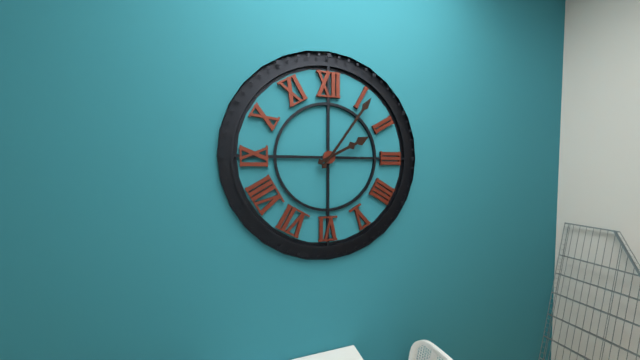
2:06
